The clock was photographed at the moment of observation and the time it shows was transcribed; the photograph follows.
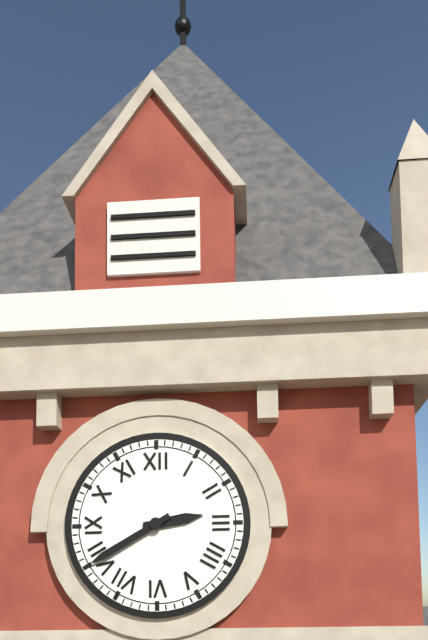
2:40
